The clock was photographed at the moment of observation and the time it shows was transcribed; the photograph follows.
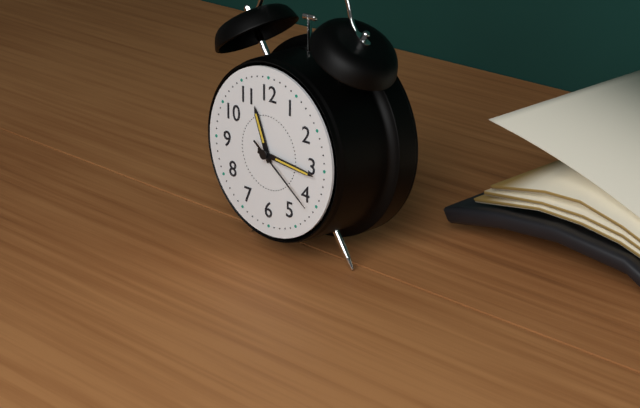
11:16:21
